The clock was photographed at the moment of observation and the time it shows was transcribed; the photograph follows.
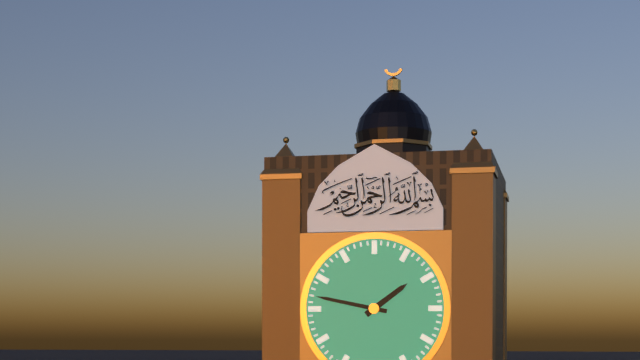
1:47
